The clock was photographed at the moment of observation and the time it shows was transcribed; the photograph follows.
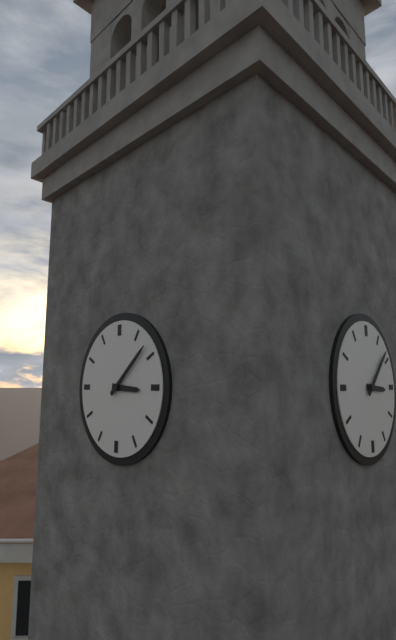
3:08
